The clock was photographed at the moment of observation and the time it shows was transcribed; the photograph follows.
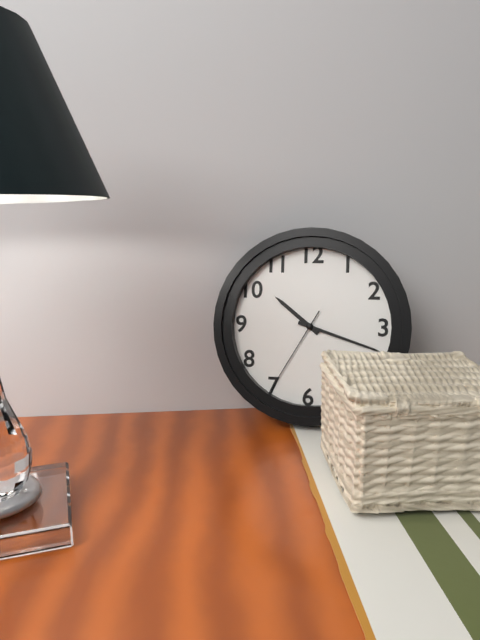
10:18:35
